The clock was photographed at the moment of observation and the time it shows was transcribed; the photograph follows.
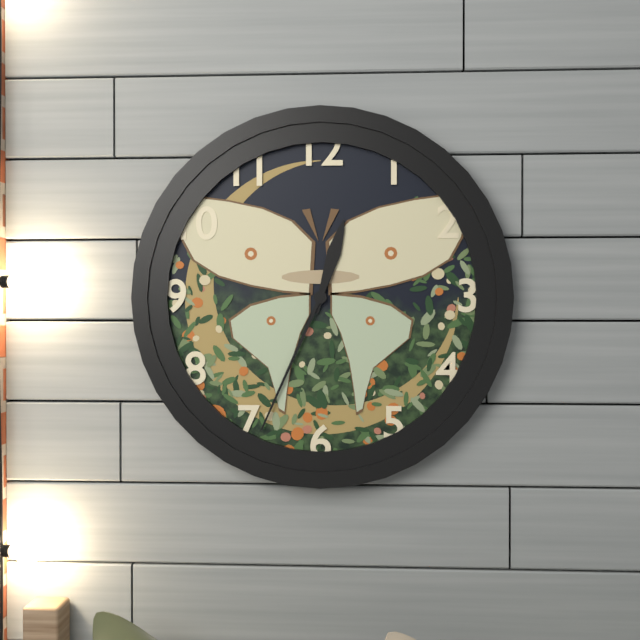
12:34
